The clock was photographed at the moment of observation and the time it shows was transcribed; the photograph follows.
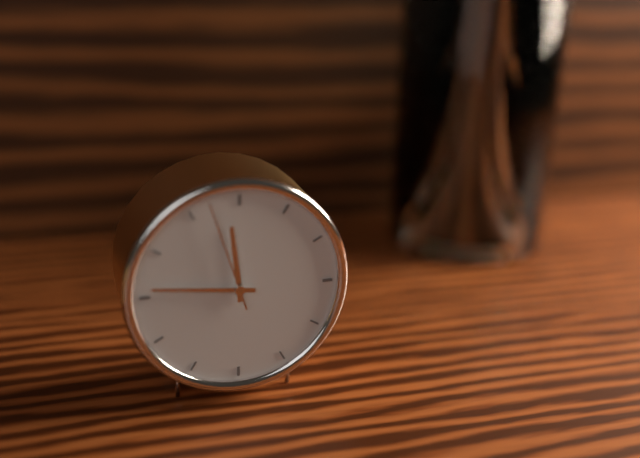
11:46:57
